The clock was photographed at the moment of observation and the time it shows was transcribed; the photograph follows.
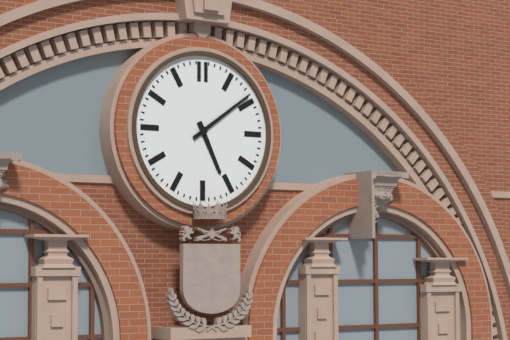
5:09
